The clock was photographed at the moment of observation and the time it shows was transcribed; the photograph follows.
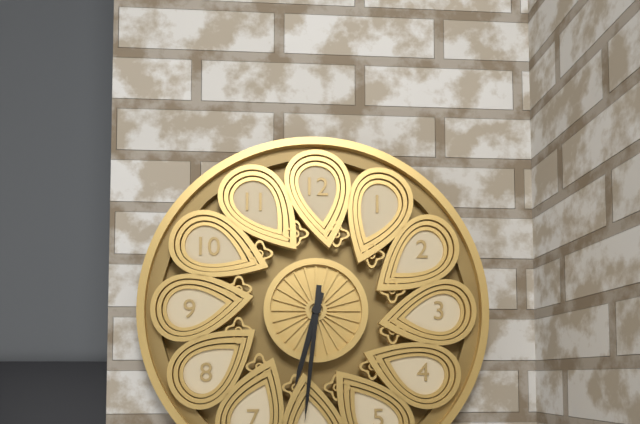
6:31
